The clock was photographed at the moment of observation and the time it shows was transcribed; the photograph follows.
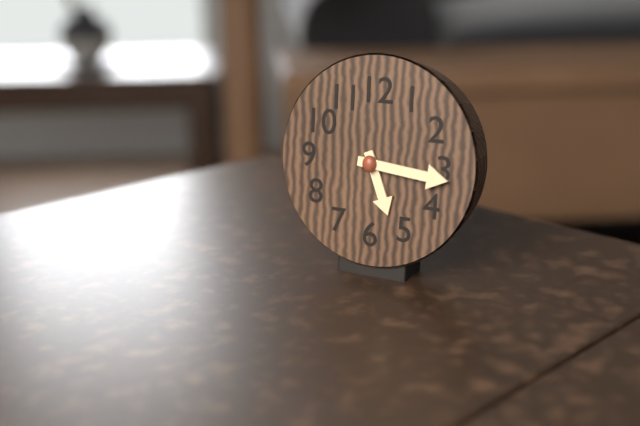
5:16
